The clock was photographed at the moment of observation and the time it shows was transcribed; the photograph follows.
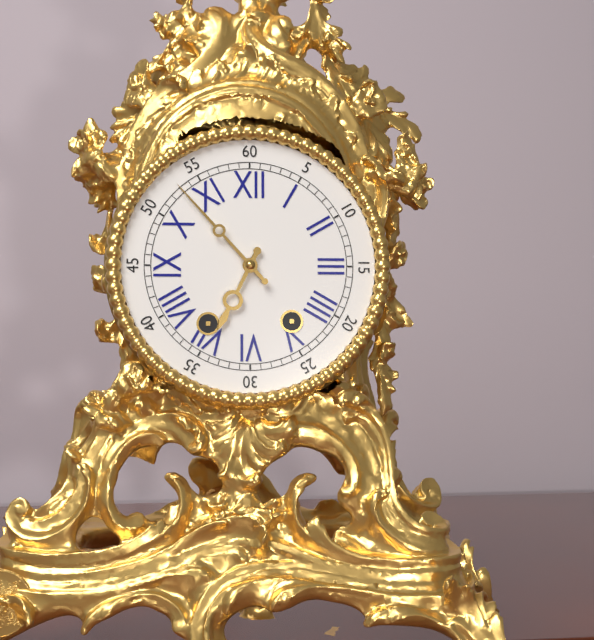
6:53
